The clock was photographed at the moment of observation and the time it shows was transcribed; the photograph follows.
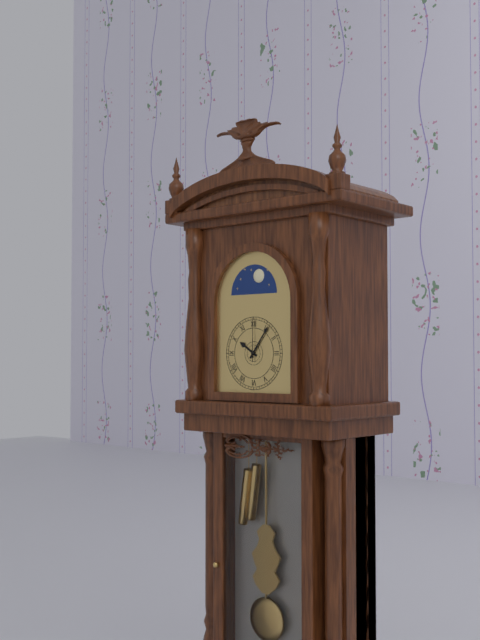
10:06
